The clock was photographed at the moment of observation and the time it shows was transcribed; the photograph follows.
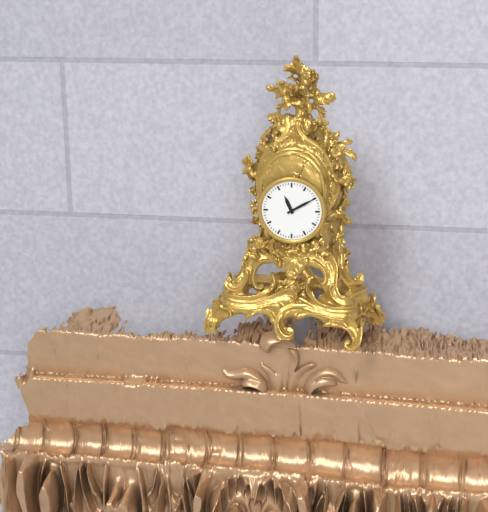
11:10
